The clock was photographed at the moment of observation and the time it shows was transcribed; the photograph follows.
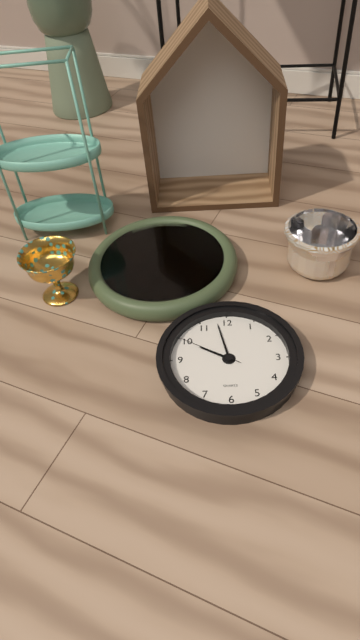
9:58:50
